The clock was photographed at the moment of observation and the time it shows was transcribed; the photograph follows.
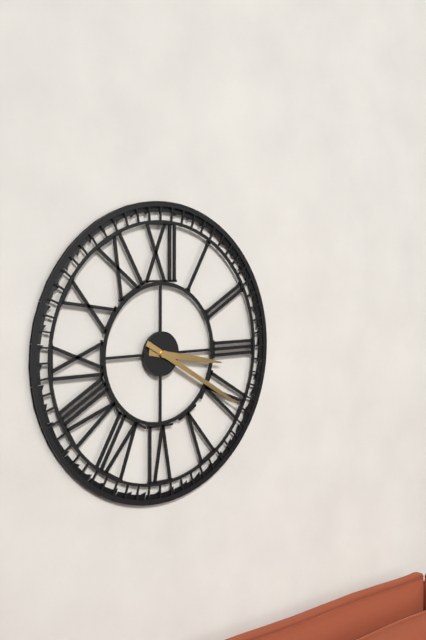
3:20
